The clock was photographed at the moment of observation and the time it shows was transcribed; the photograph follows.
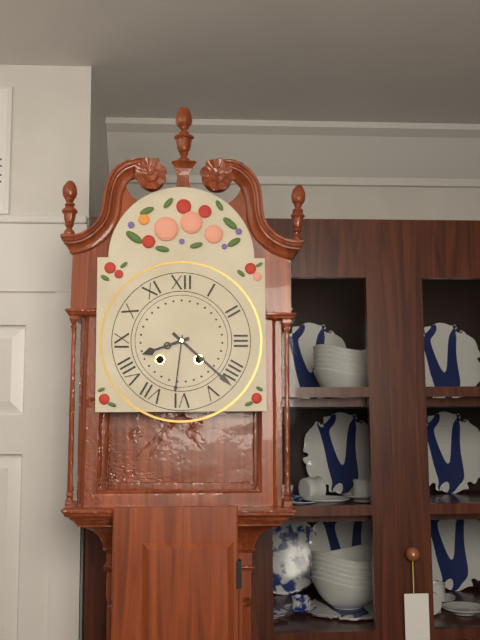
8:22
